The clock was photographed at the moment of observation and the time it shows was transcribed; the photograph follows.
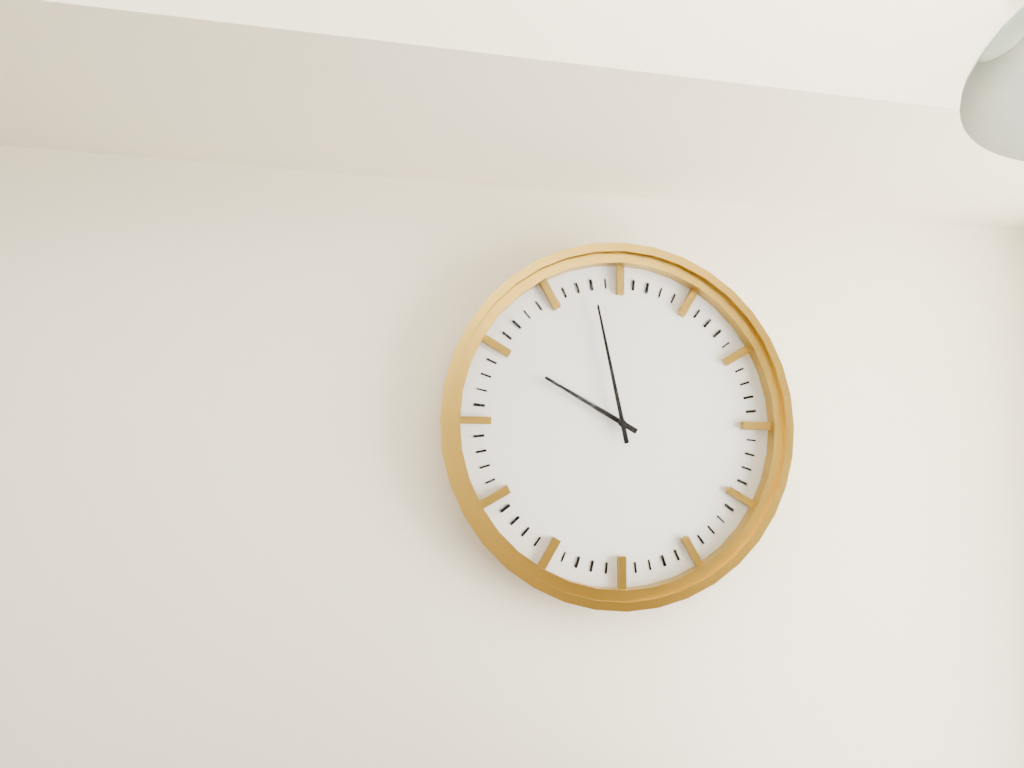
9:58
